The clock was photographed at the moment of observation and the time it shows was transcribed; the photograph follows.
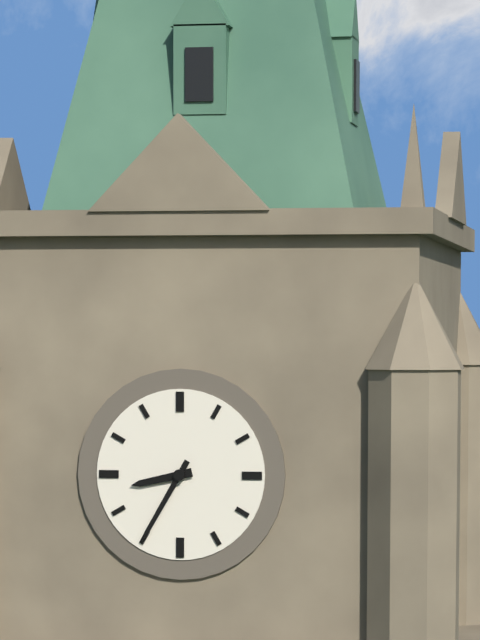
8:35
